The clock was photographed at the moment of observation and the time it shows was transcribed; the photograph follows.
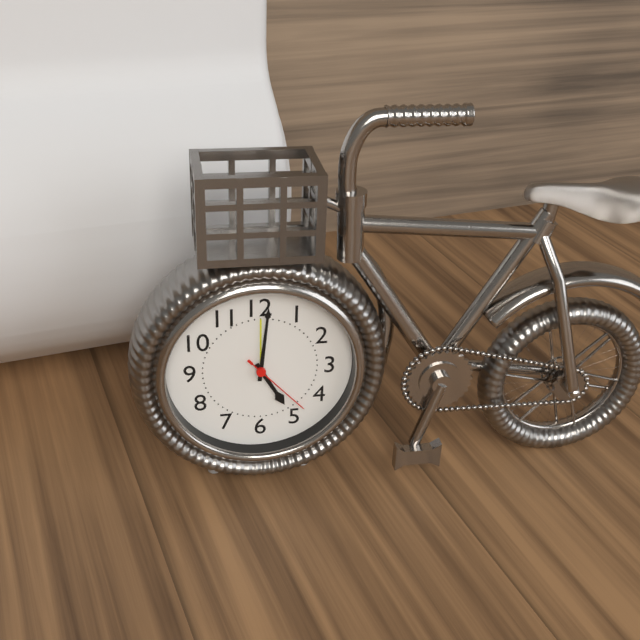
5:01:23
